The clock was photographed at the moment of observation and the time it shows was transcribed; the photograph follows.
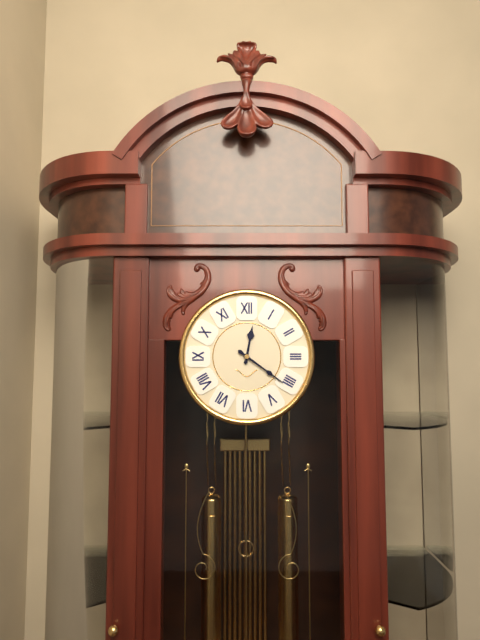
12:21
